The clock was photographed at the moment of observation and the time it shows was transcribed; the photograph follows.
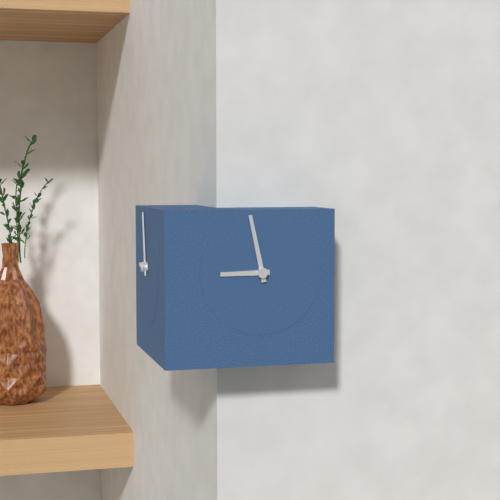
8:58
